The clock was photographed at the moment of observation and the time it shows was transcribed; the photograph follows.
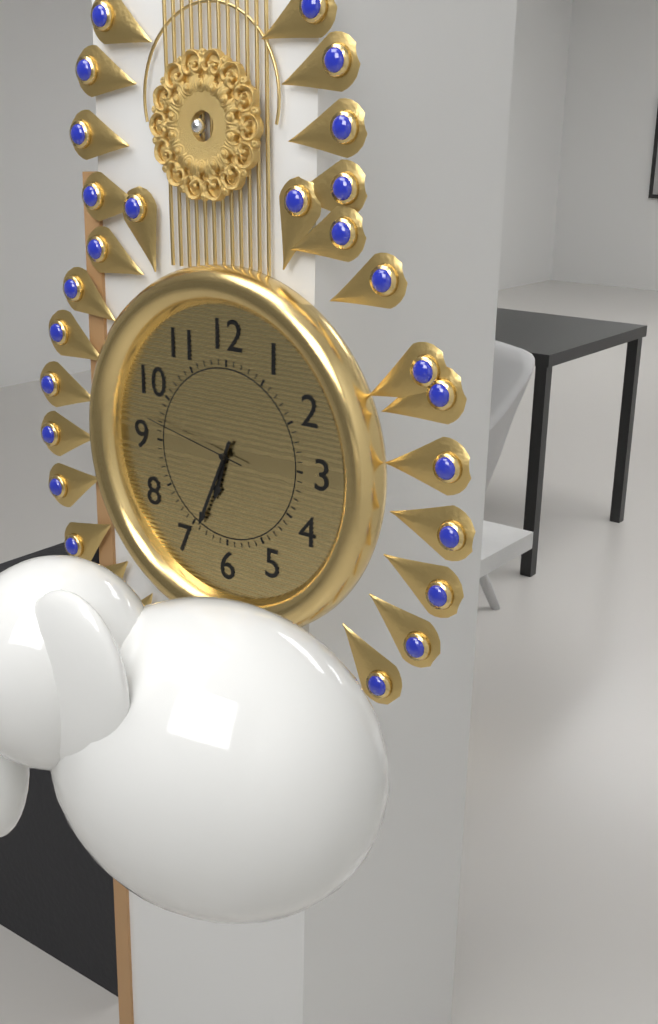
6:34:47
